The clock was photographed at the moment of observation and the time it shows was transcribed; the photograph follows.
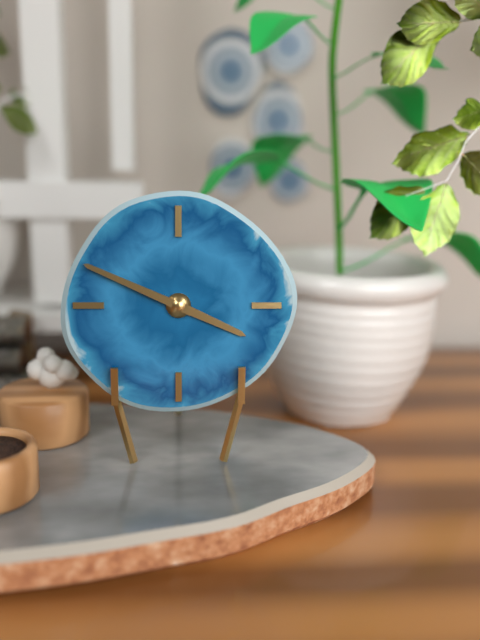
3:49
